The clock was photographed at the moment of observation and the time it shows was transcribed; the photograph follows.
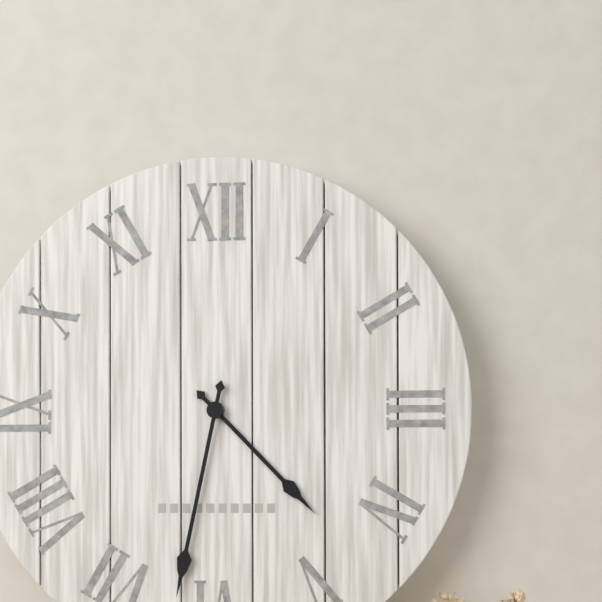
4:32
